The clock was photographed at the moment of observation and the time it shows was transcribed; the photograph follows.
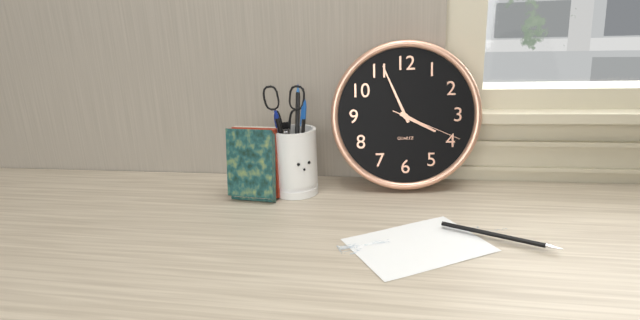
3:56:19
